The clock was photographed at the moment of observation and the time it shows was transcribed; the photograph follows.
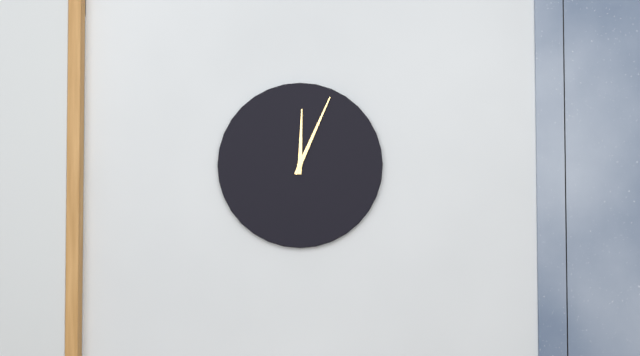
12:04
